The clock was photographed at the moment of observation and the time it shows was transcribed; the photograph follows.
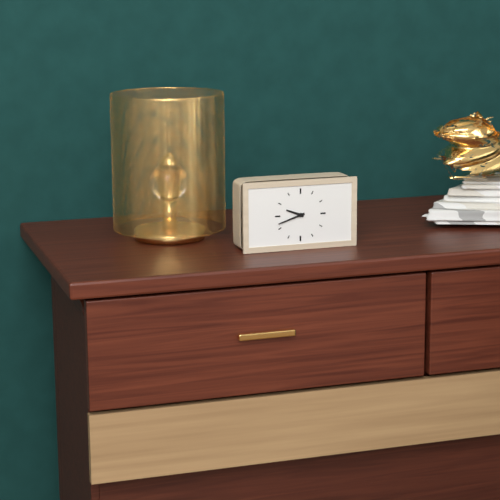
9:42
